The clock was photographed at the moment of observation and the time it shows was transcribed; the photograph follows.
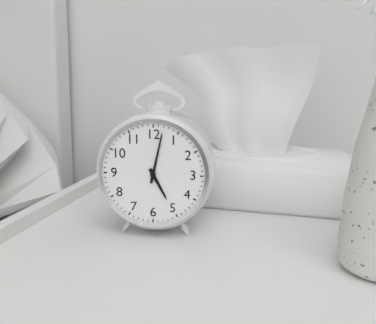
5:02
